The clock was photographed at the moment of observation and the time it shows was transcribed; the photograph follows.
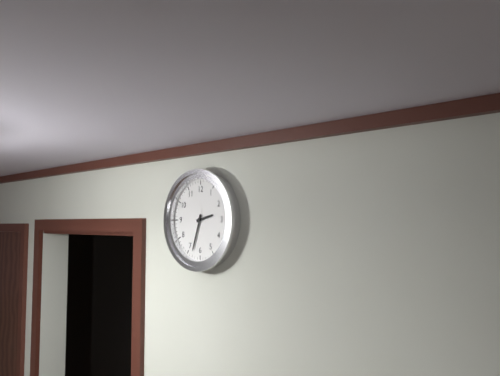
2:33
